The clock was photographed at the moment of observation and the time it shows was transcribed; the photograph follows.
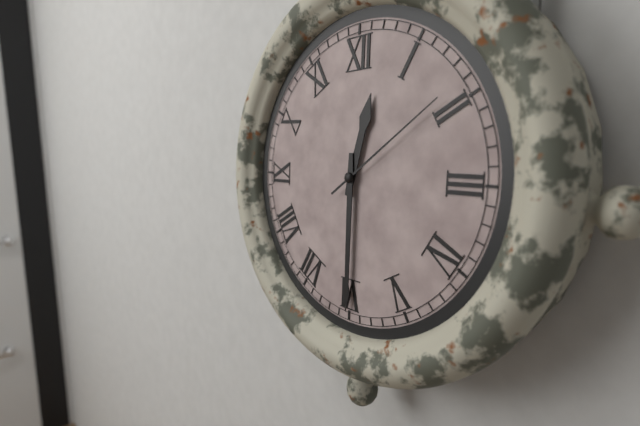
12:30:09
